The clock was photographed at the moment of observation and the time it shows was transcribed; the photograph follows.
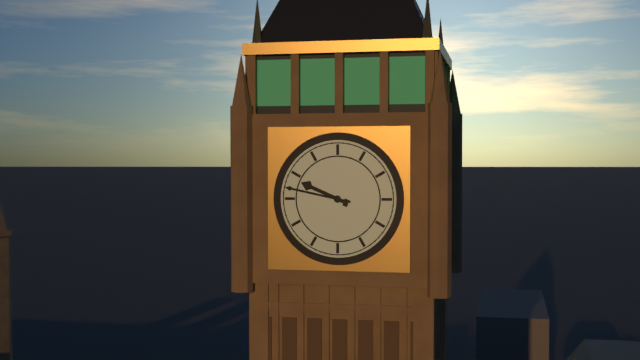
9:47
